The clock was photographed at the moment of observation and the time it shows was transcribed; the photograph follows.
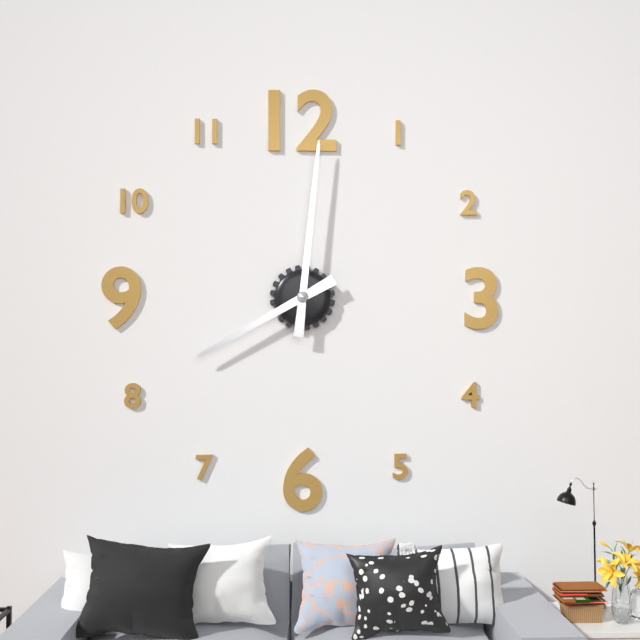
8:01
